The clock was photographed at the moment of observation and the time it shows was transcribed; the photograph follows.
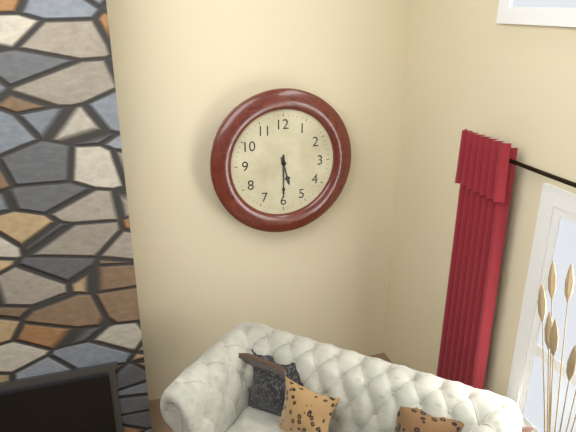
5:30
